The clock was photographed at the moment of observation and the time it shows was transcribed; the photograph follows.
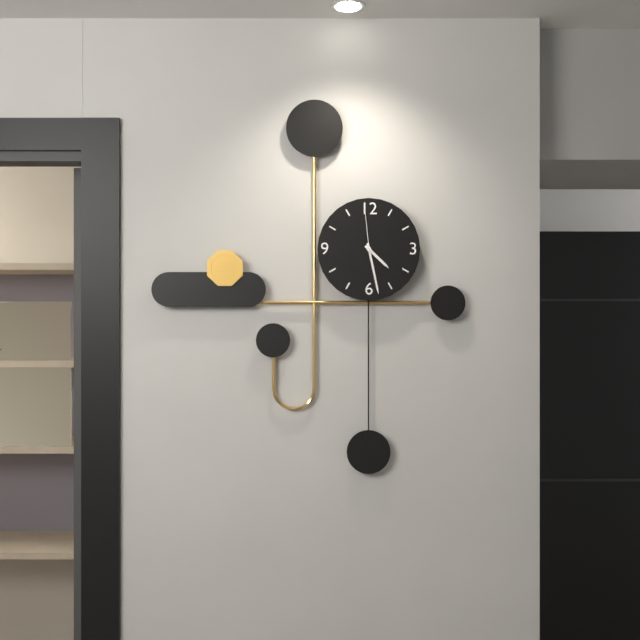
4:28:59
